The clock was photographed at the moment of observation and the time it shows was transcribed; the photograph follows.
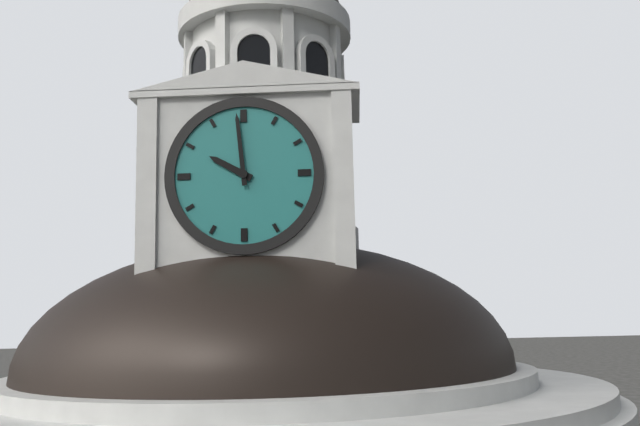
9:59
